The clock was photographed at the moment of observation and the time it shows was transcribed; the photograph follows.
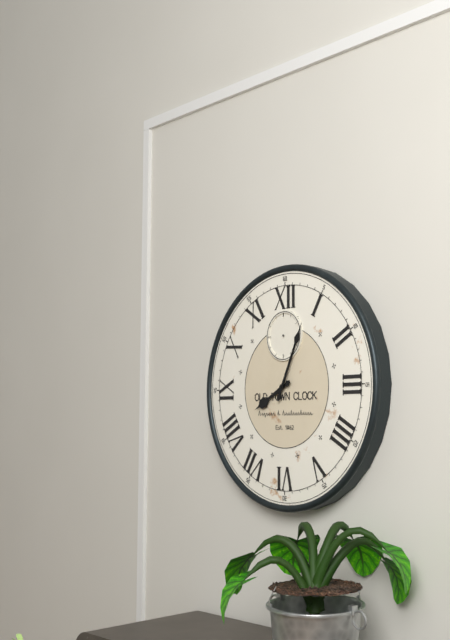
8:04
